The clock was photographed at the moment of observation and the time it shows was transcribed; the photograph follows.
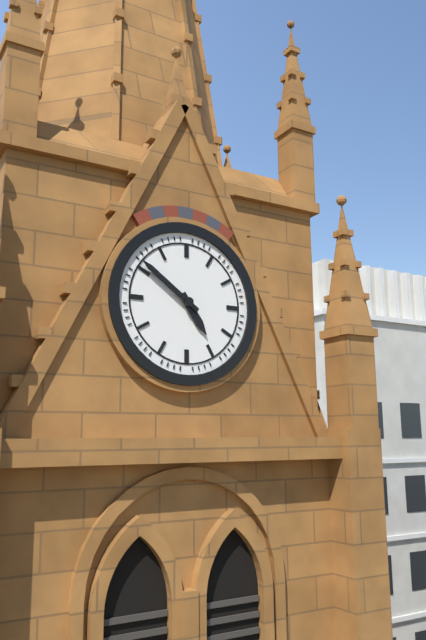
4:51
